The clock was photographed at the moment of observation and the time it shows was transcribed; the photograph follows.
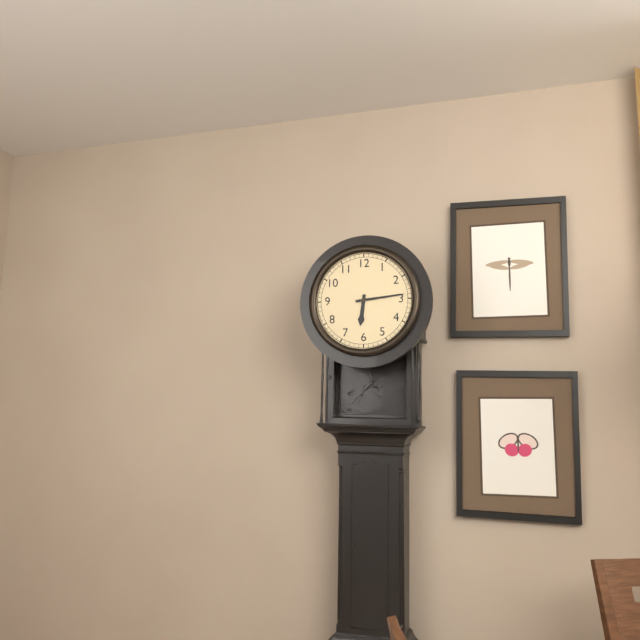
6:14
